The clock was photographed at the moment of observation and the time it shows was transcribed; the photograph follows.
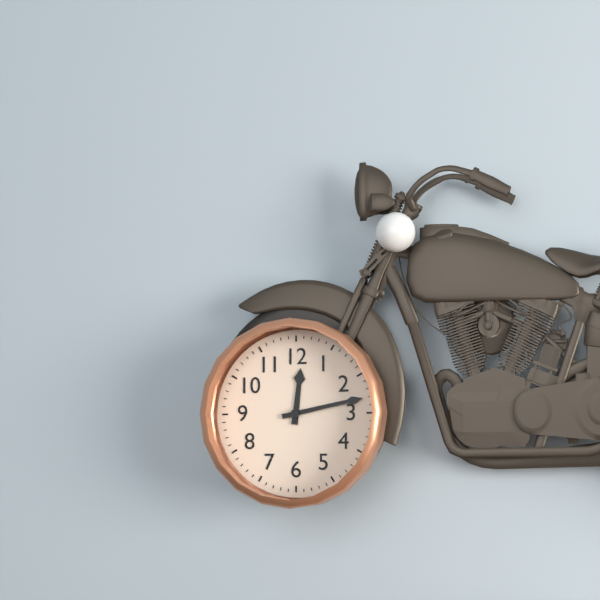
12:13
